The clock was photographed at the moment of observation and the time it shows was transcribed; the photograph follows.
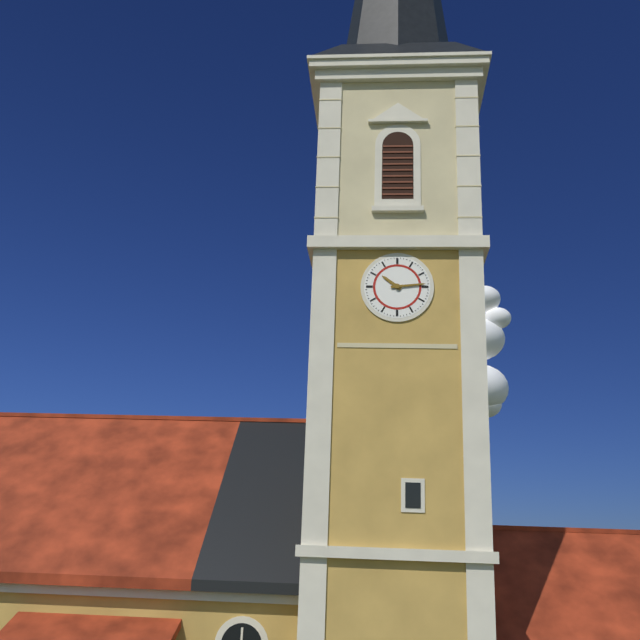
10:14
